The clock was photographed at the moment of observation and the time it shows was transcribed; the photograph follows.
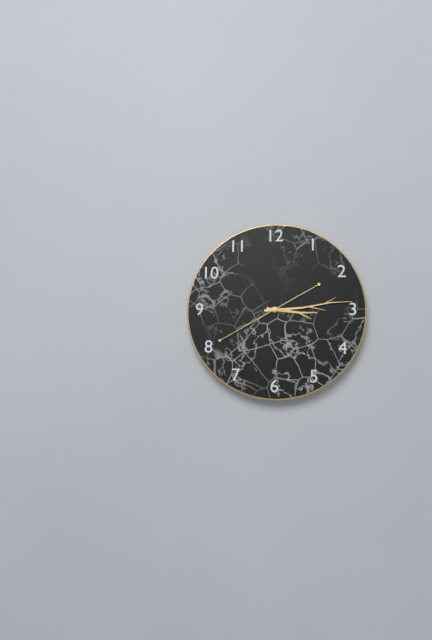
3:14:40
